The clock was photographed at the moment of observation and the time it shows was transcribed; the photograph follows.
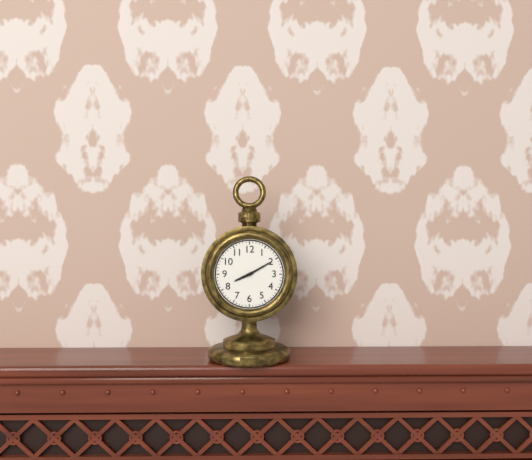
8:10
